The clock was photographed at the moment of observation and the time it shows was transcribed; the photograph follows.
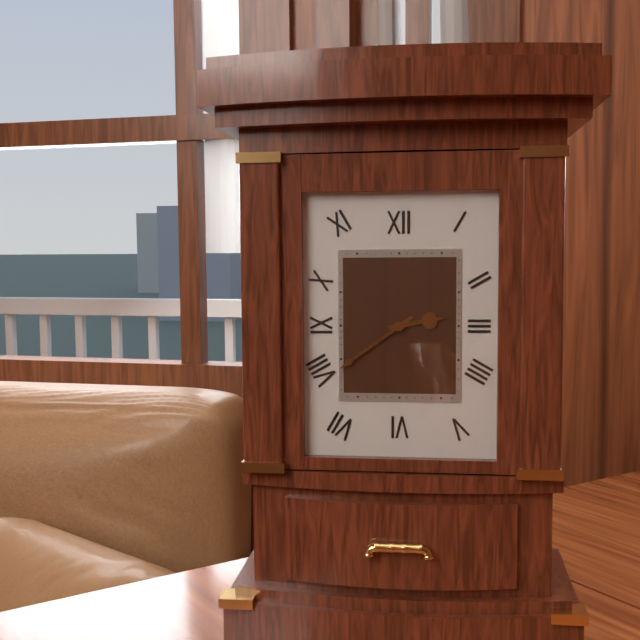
2:39
